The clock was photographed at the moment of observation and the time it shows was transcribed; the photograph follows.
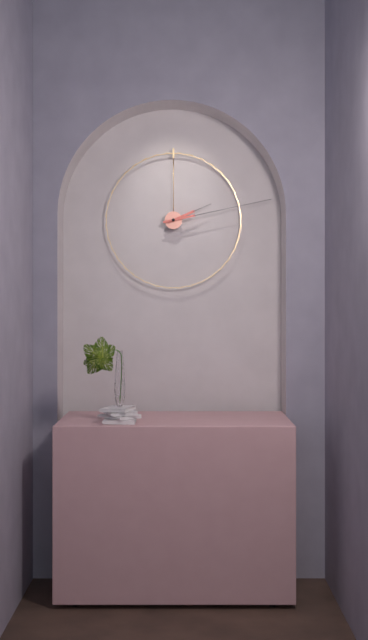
2:13
